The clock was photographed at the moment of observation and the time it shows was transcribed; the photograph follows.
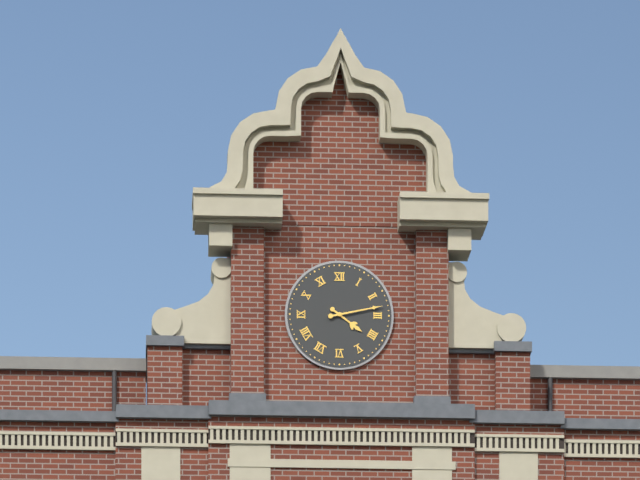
4:13
